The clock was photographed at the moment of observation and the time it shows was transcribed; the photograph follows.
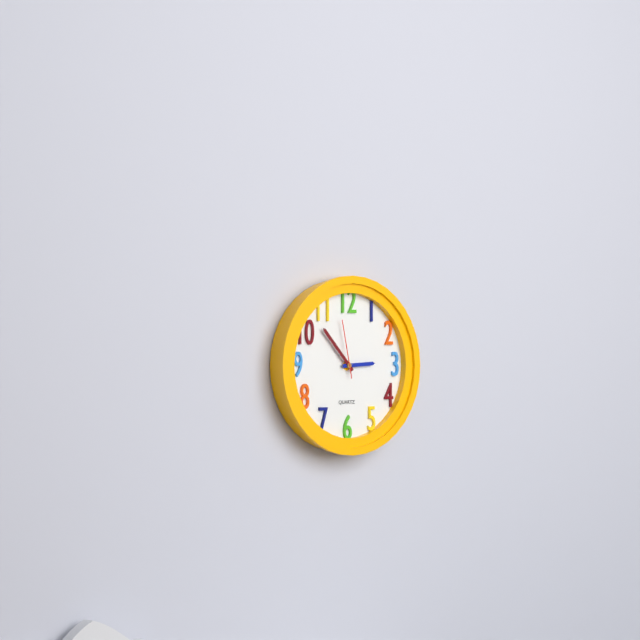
2:53:58
